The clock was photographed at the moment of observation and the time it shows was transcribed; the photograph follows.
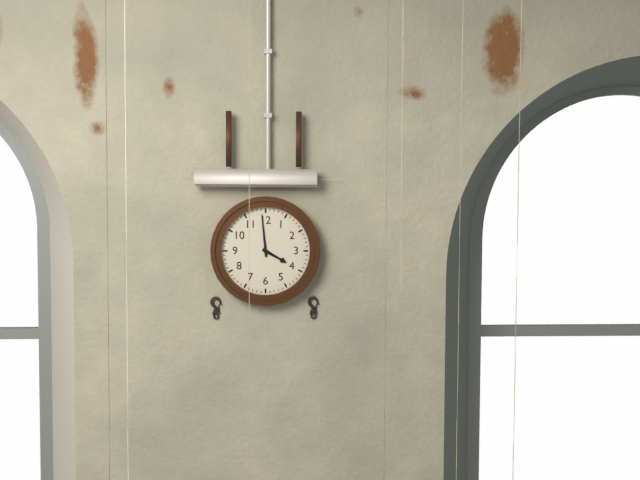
3:59
